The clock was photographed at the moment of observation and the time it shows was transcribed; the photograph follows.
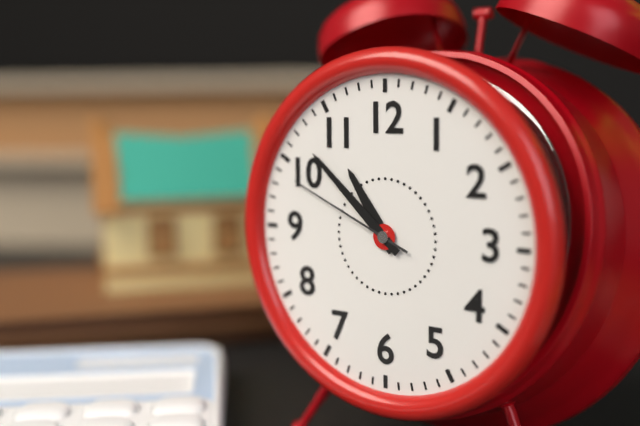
10:52:49
